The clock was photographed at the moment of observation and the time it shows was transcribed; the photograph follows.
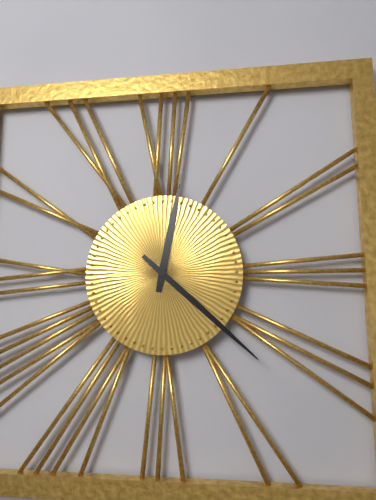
12:22
